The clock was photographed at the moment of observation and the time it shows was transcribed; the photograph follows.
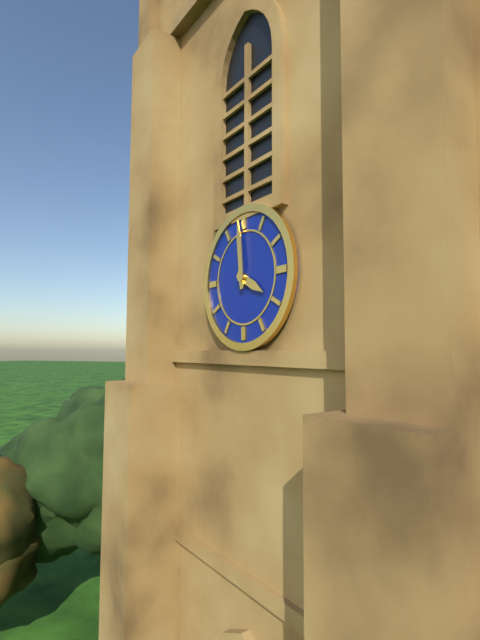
3:59
